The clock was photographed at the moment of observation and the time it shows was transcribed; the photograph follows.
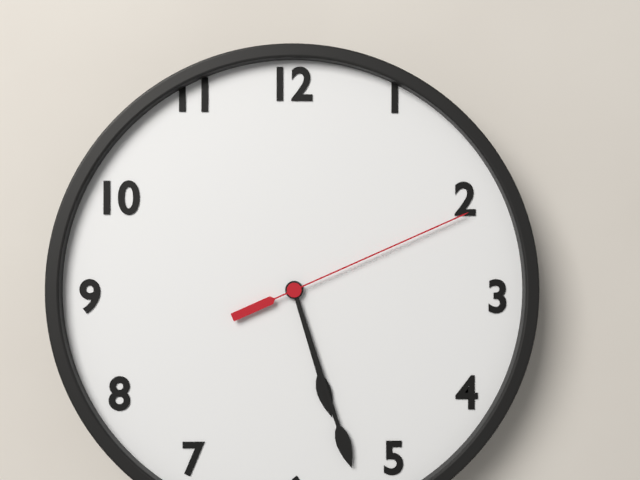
5:27:11
